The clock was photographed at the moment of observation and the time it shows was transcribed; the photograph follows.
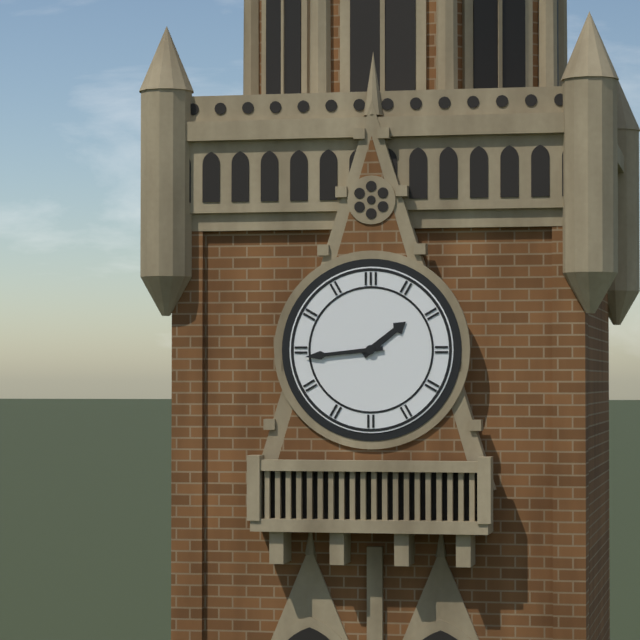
1:44
